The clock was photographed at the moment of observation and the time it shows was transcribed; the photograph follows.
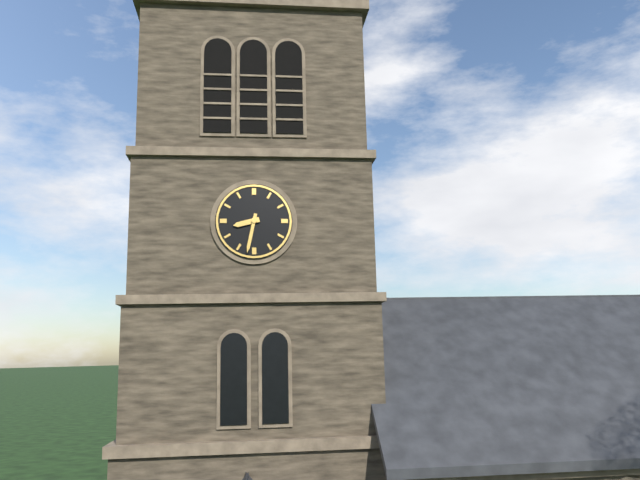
8:32
